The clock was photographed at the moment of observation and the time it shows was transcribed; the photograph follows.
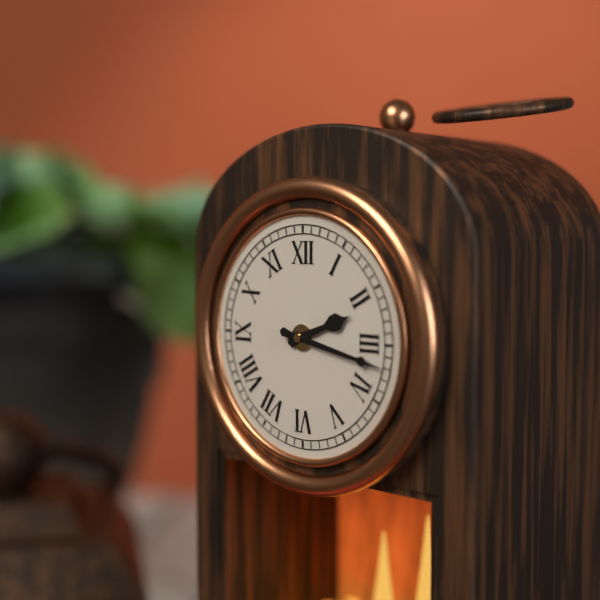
2:17
